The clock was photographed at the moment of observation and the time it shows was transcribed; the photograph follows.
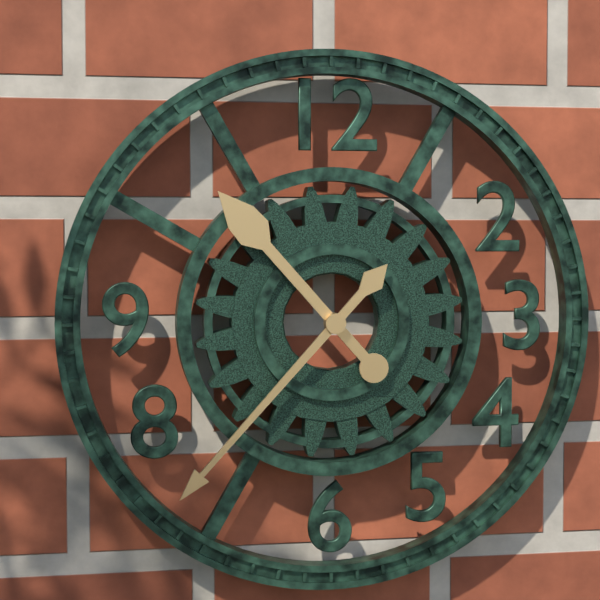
10:37
